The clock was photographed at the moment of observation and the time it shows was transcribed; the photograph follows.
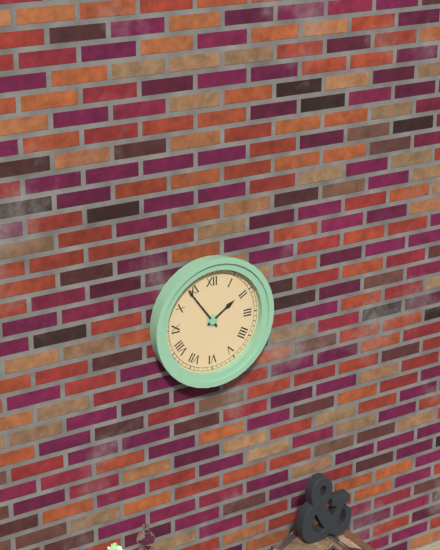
1:54
